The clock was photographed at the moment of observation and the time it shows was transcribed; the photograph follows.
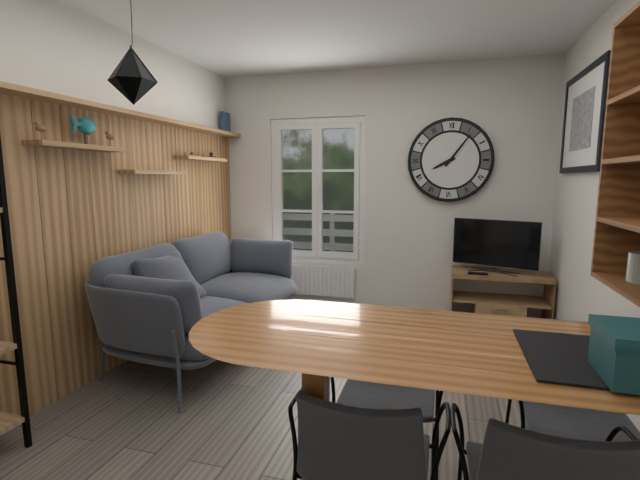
8:06
